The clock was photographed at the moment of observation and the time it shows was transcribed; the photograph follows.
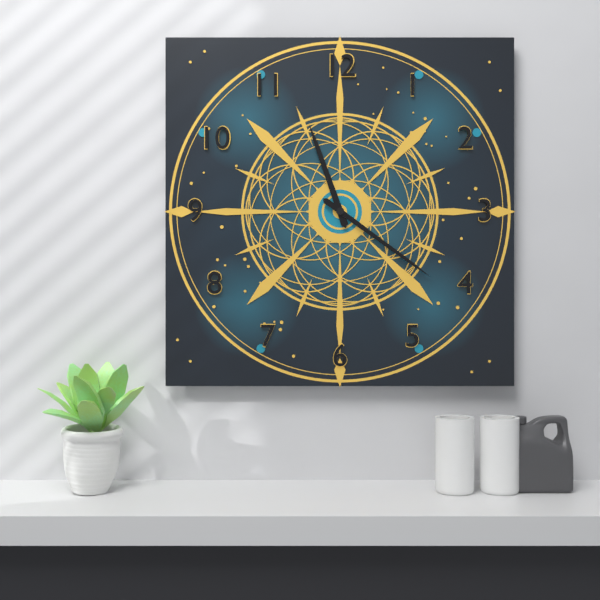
11:21
